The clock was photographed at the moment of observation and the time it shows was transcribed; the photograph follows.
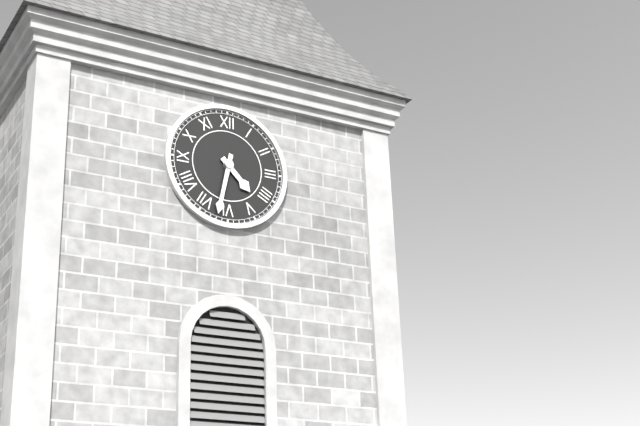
4:32
